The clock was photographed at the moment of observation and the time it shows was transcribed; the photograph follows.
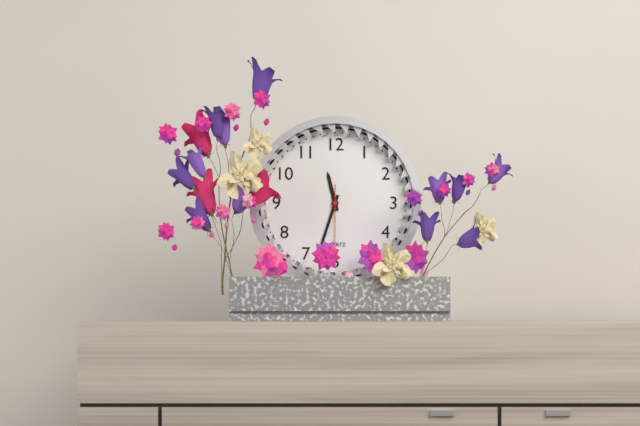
11:33:30
